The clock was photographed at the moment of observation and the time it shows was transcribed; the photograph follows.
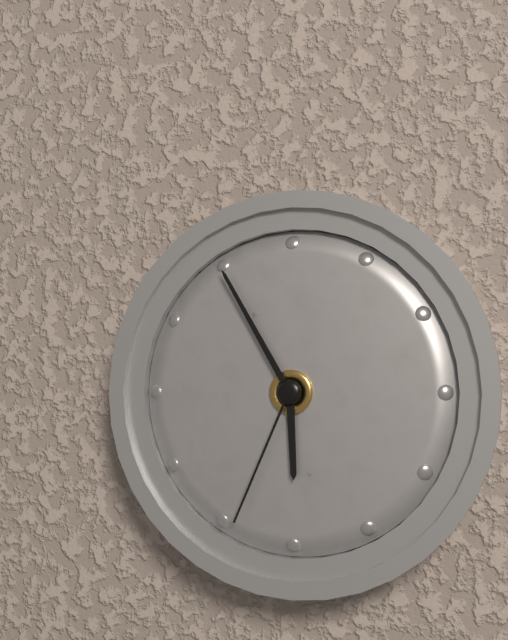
5:55:34
